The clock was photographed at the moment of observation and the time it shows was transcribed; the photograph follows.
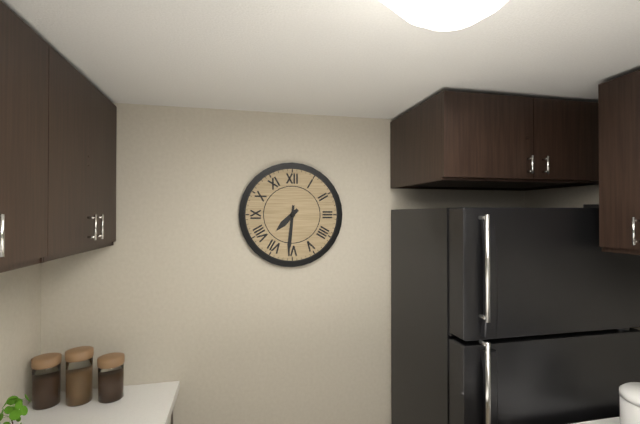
7:31
